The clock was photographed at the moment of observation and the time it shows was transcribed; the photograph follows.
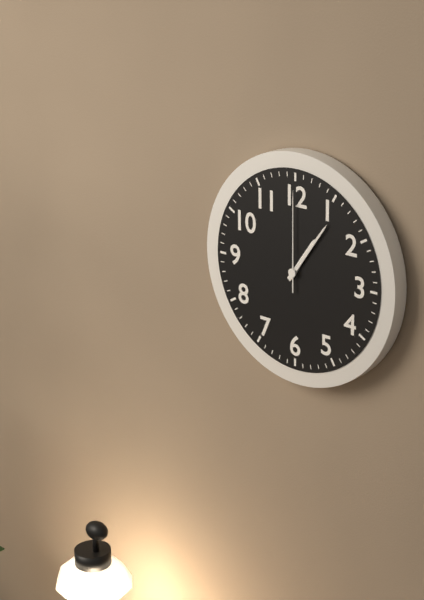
1:06:00
